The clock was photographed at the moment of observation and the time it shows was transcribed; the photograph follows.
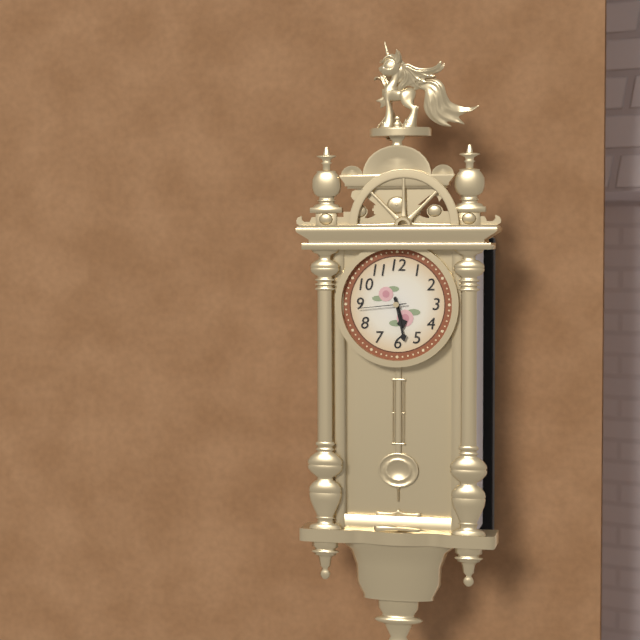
5:28
